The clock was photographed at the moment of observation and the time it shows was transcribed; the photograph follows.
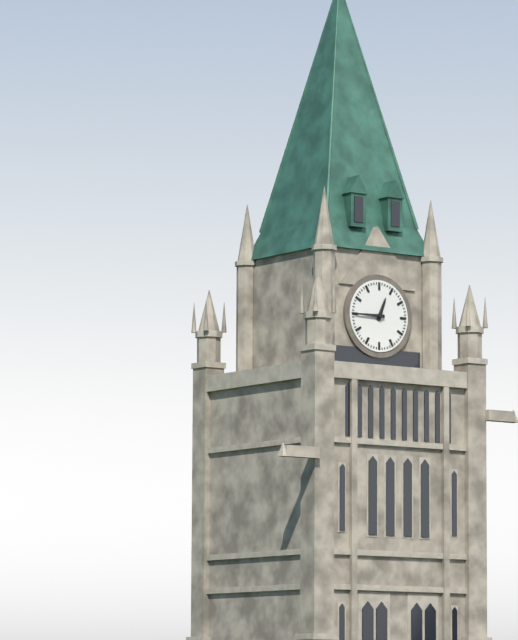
12:45
